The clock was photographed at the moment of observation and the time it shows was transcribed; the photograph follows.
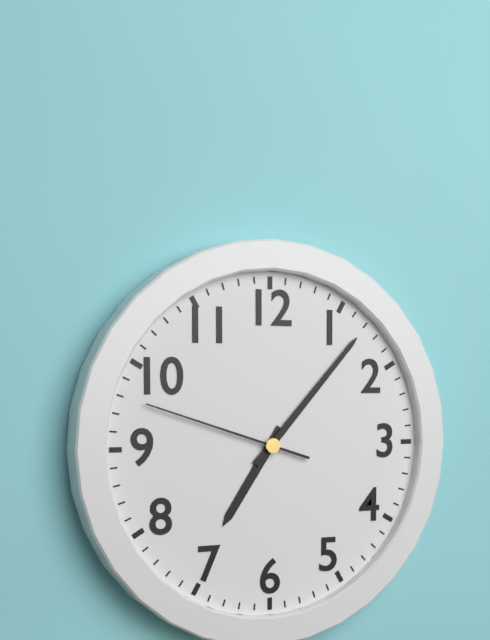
7:07:48
